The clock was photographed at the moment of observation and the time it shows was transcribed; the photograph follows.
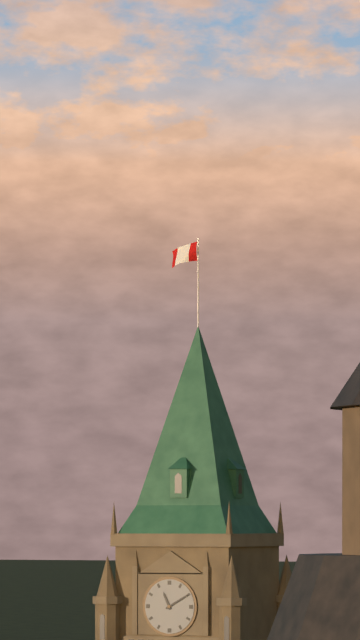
11:10
